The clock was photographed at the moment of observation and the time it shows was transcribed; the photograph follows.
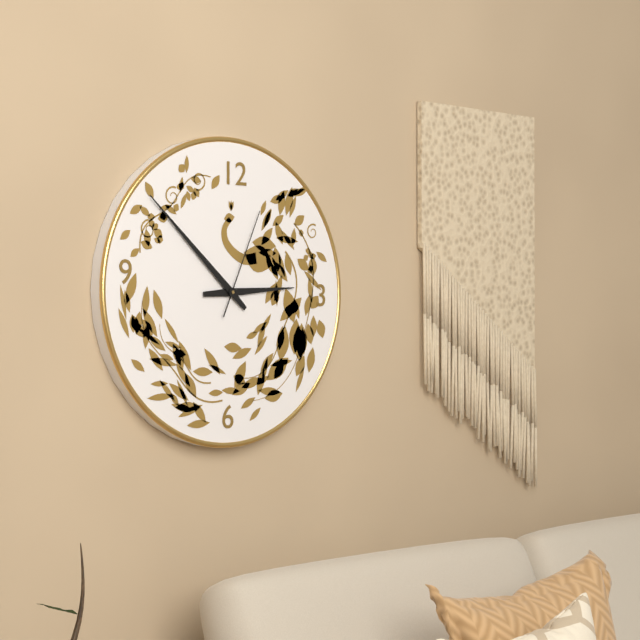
2:52:04
